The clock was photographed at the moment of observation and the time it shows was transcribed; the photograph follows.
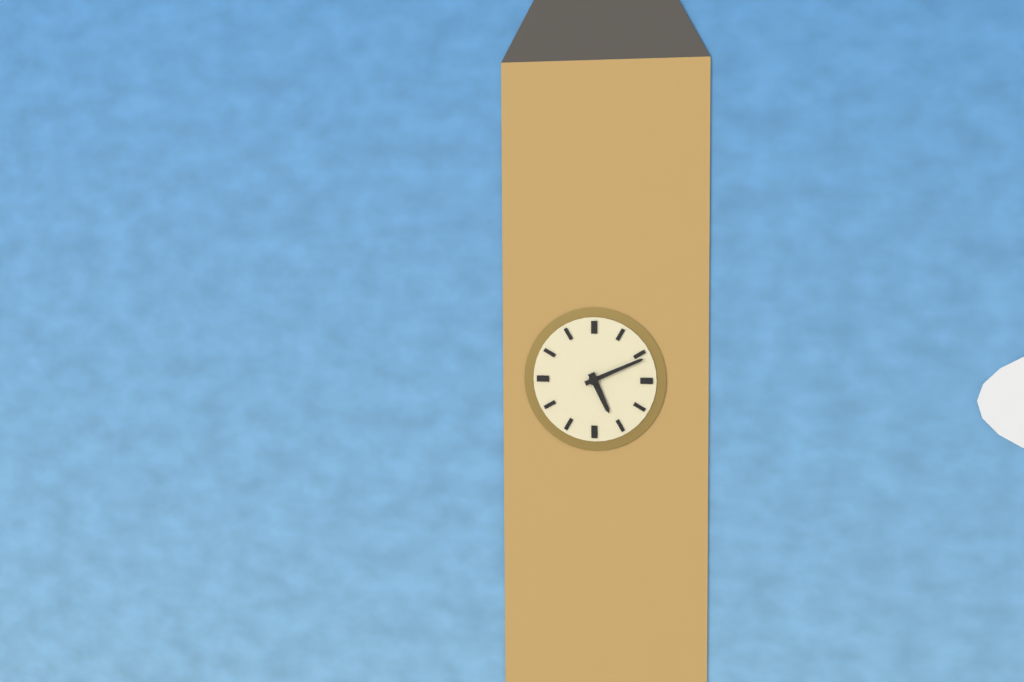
5:11
